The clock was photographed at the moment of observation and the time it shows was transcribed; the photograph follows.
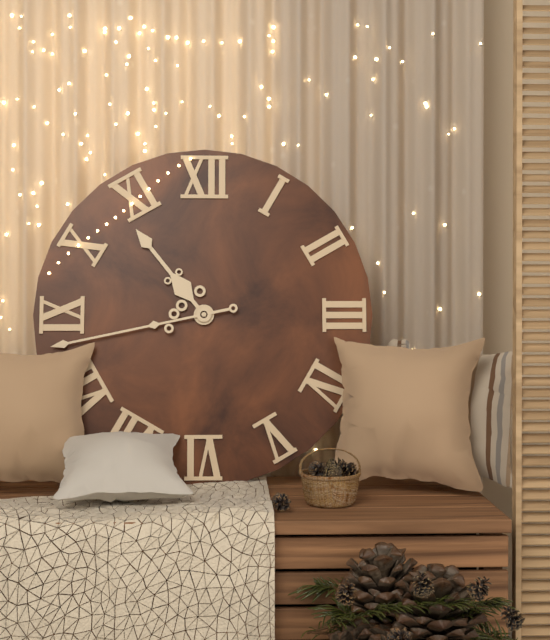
10:43
